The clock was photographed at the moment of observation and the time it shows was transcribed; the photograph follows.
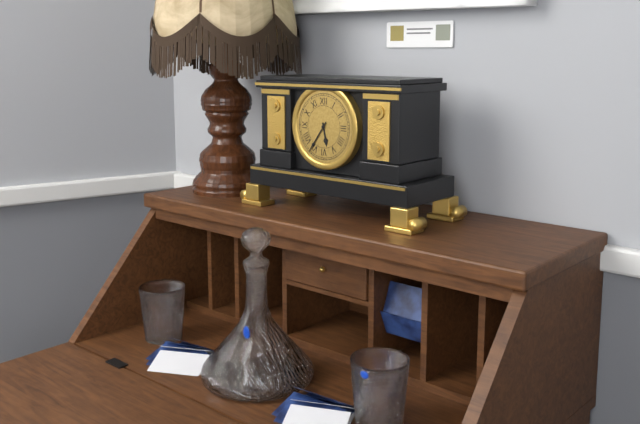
5:36
